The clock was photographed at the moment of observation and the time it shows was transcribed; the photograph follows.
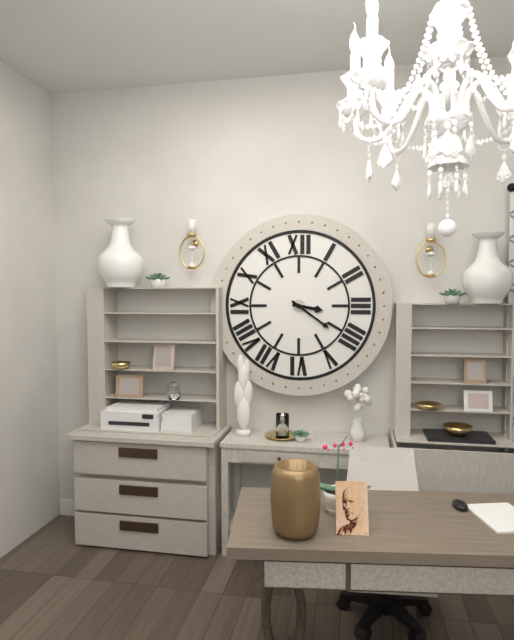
3:21
